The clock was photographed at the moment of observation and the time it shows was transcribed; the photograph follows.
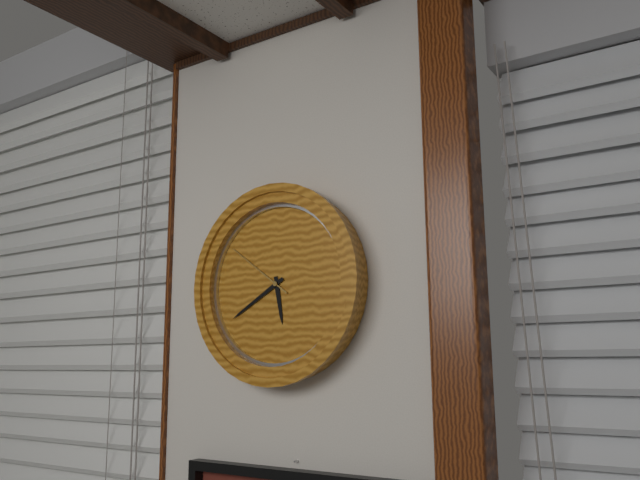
5:40:51
